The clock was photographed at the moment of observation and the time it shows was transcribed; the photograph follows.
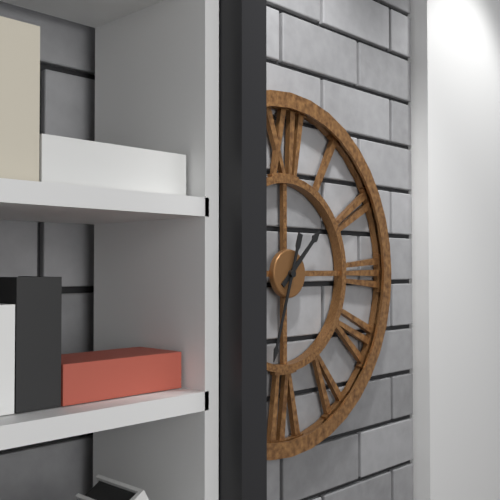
1:33
